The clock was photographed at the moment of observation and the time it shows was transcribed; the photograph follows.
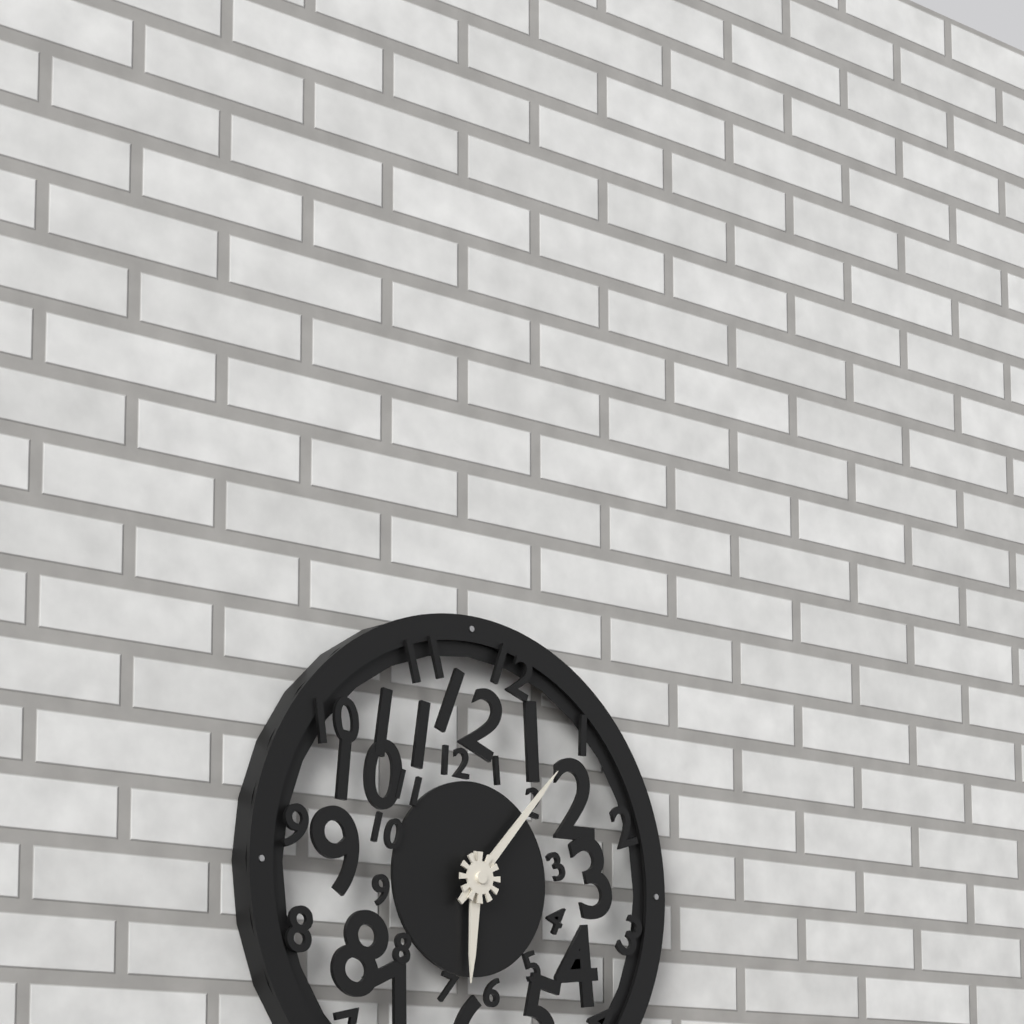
6:07
